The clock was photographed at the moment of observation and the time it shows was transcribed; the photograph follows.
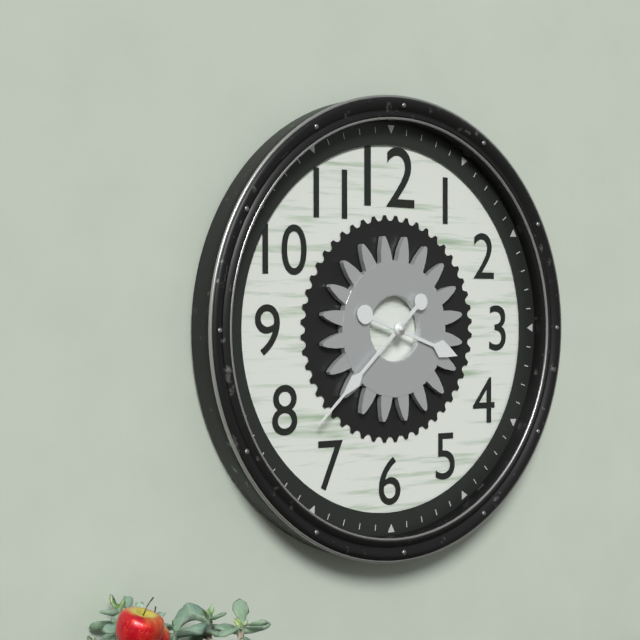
3:38
